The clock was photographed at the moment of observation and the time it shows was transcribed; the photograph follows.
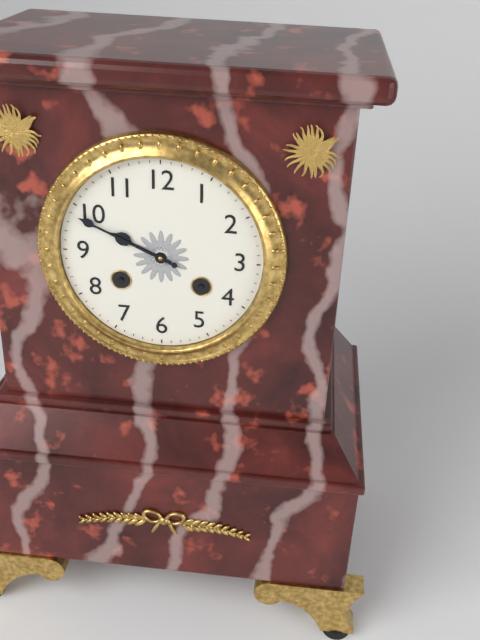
9:49
